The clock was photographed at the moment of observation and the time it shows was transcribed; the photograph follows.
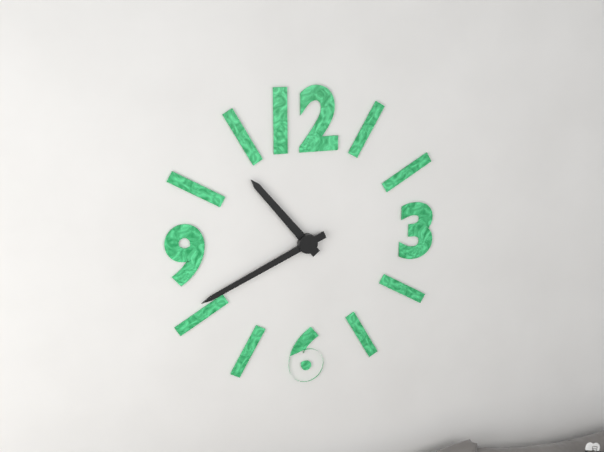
10:41
